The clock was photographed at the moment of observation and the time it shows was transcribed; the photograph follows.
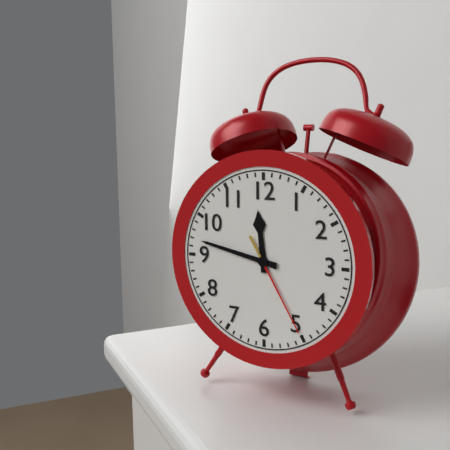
11:47:25
